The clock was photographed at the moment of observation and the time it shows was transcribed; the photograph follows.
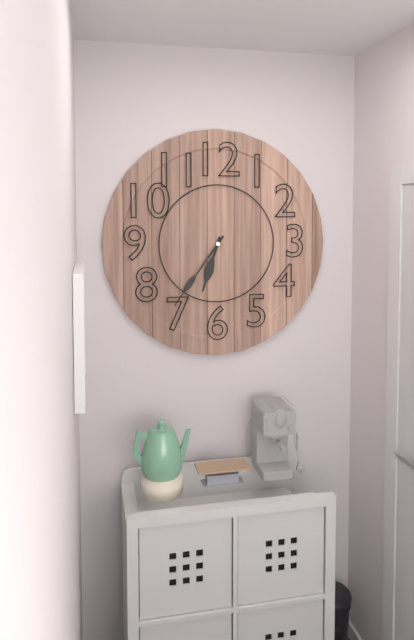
6:36
